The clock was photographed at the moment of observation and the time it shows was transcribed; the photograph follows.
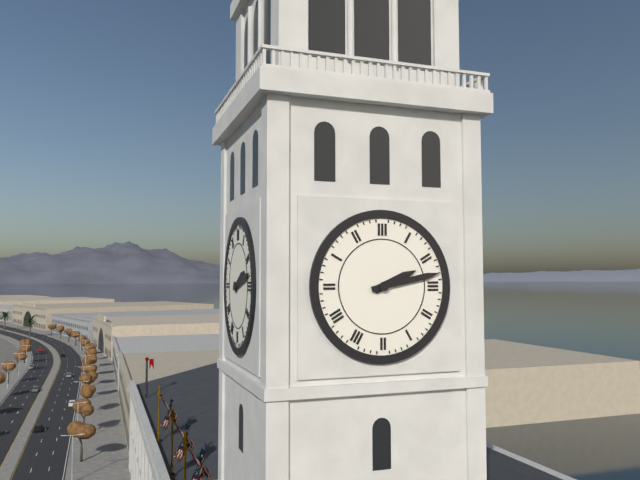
2:13
